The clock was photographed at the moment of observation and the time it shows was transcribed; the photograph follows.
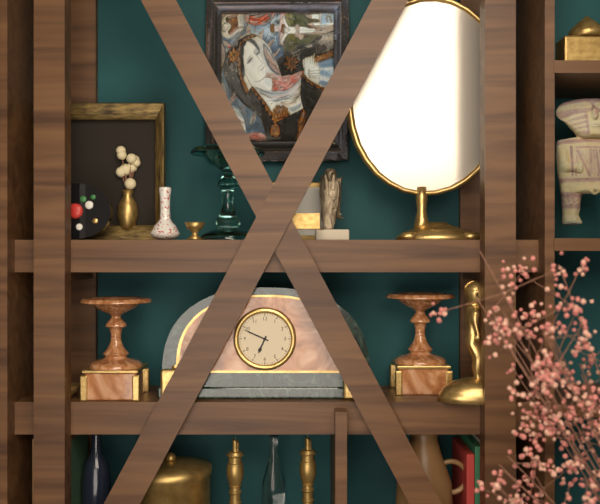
6:49
